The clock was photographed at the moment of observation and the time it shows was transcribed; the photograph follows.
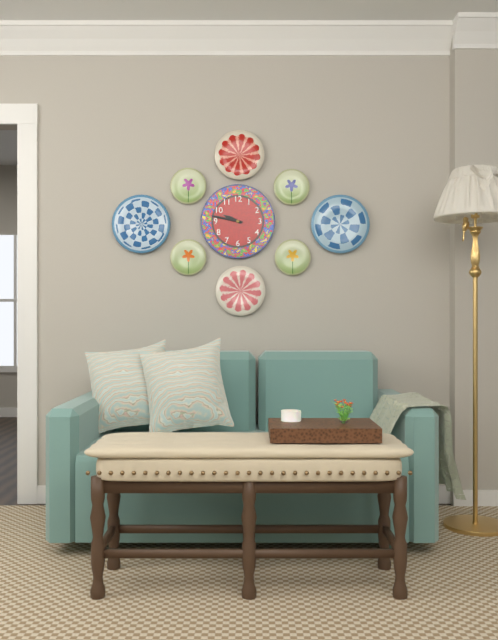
9:47
